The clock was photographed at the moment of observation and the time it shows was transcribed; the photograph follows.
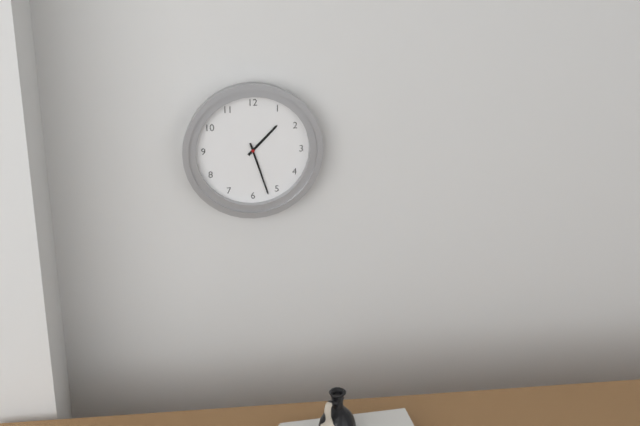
1:27
